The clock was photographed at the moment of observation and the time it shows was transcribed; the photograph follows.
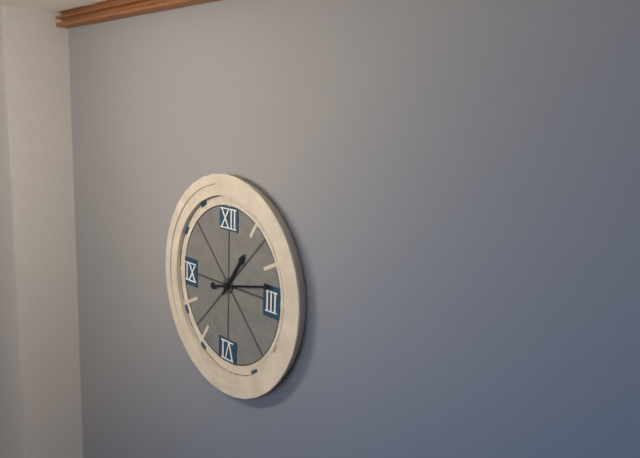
1:13
